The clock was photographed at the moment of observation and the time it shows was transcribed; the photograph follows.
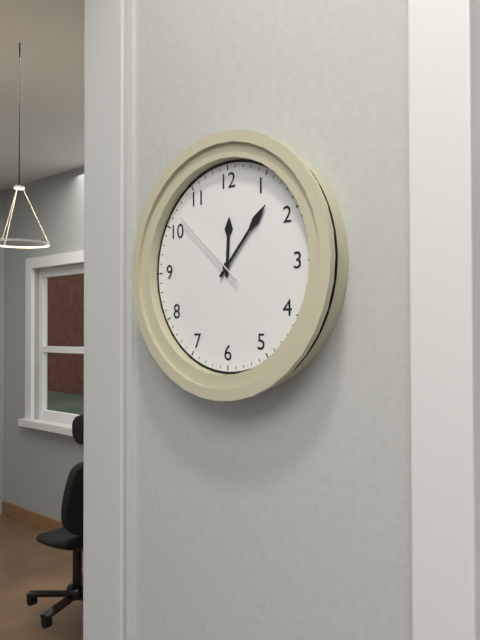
12:07:52
